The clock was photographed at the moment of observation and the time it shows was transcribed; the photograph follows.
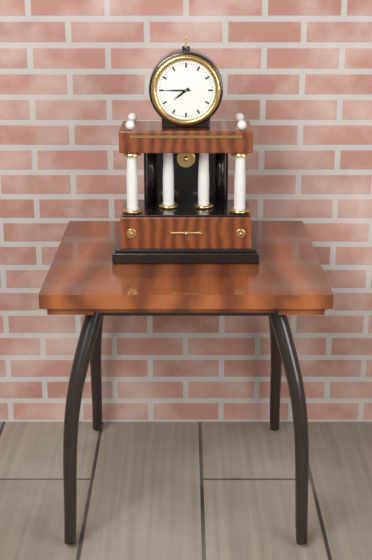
7:45
